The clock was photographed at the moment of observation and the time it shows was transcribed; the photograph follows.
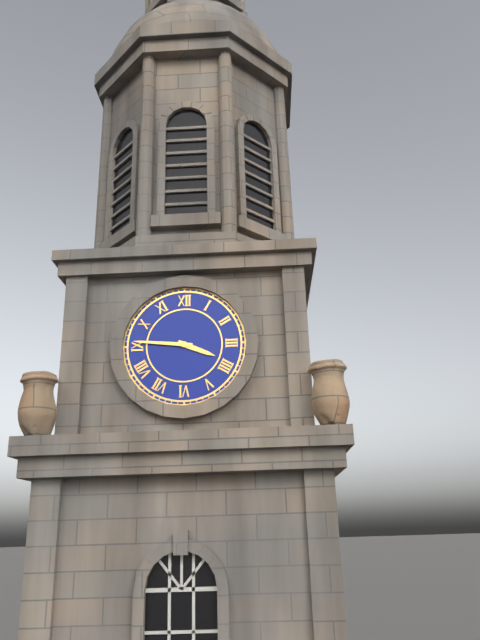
3:46
